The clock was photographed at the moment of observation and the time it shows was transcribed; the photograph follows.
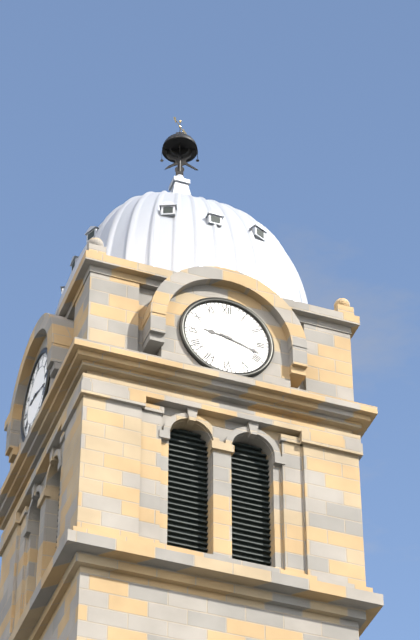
9:18
